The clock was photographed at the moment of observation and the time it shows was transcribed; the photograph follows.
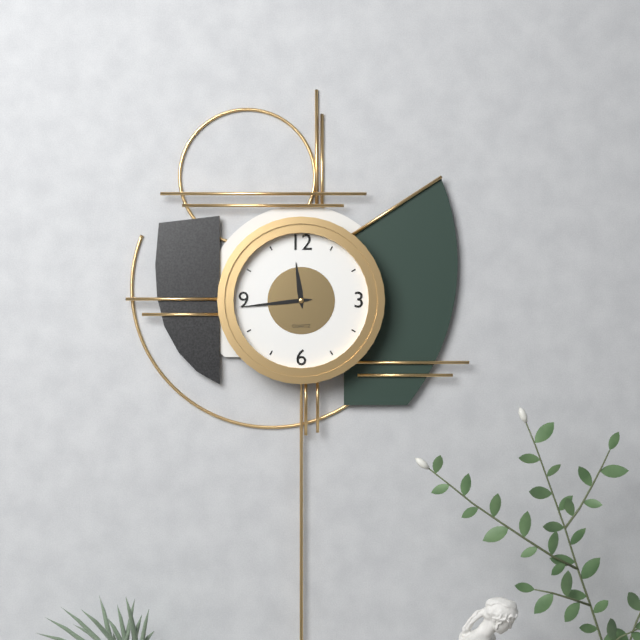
11:44
